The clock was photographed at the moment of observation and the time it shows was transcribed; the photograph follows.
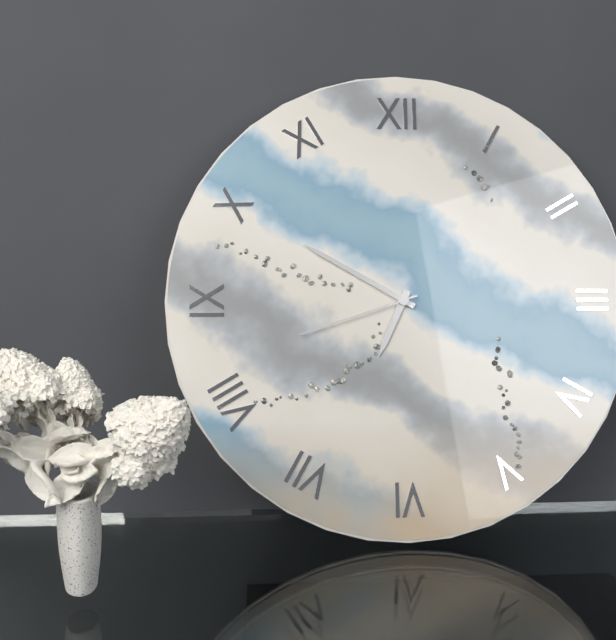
6:50:42
